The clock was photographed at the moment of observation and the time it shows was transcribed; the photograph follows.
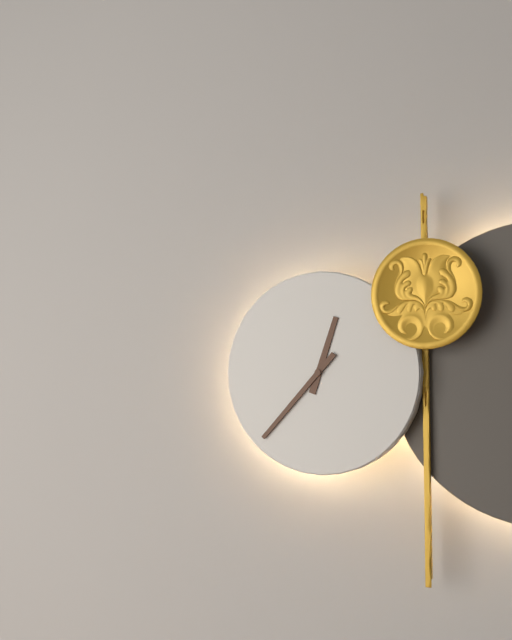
12:37
